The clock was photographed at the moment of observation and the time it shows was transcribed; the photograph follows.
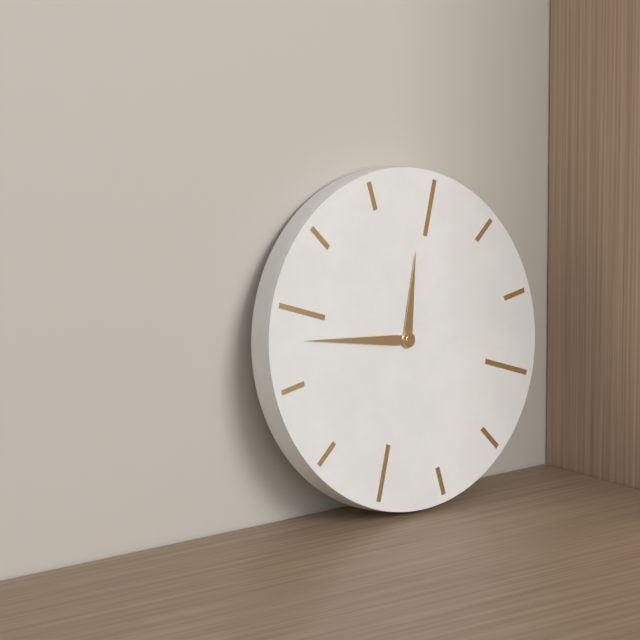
12:48
